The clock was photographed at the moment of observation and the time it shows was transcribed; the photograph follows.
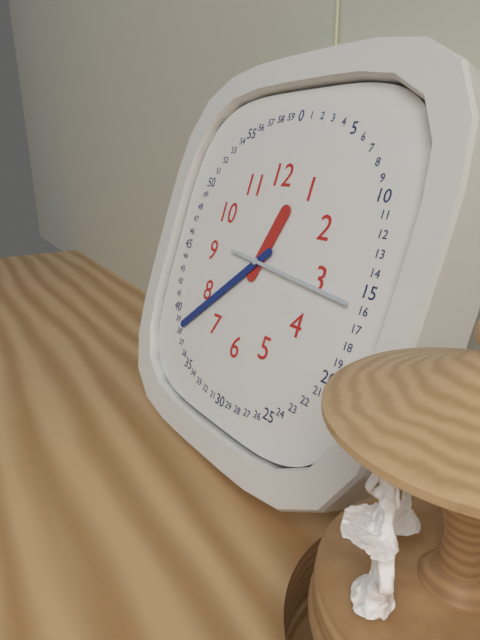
12:38:16
